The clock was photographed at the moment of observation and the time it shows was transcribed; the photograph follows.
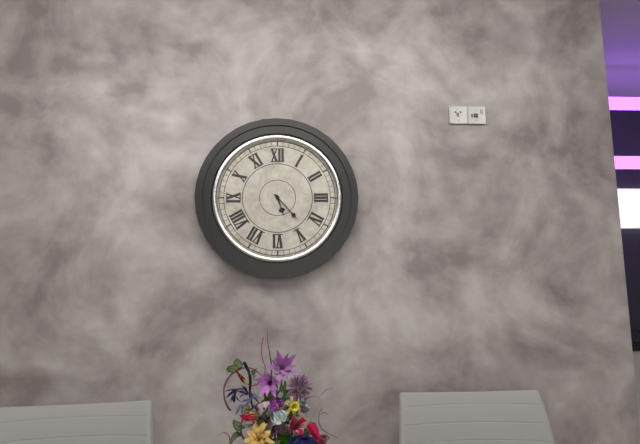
5:23
